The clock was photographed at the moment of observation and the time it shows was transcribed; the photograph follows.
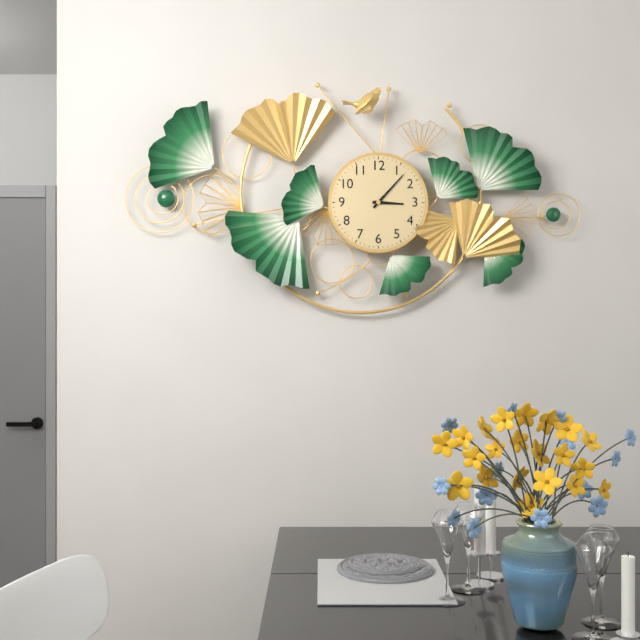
3:07
